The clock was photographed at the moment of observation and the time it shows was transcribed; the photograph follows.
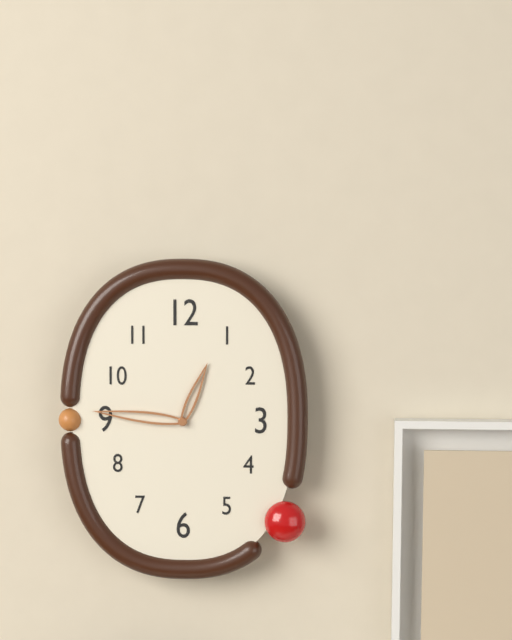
12:46
